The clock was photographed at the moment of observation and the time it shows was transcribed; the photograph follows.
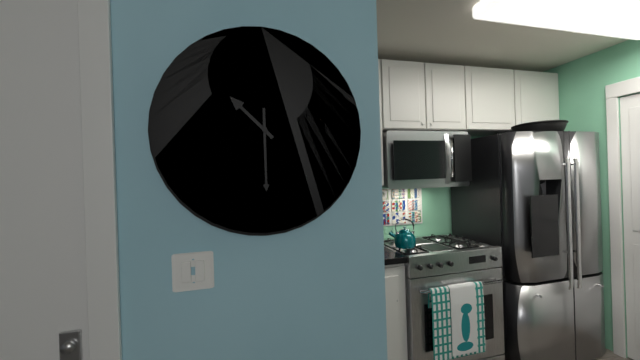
10:30
